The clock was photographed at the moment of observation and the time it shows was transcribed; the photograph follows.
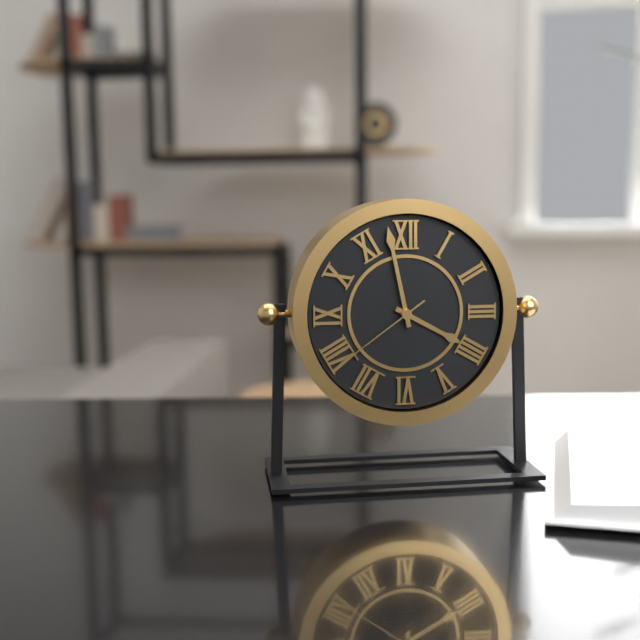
3:58:39
